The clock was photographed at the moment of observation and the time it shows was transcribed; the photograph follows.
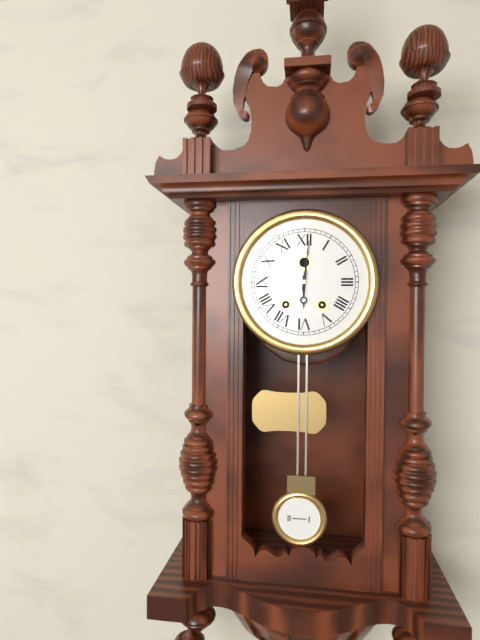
6:01
